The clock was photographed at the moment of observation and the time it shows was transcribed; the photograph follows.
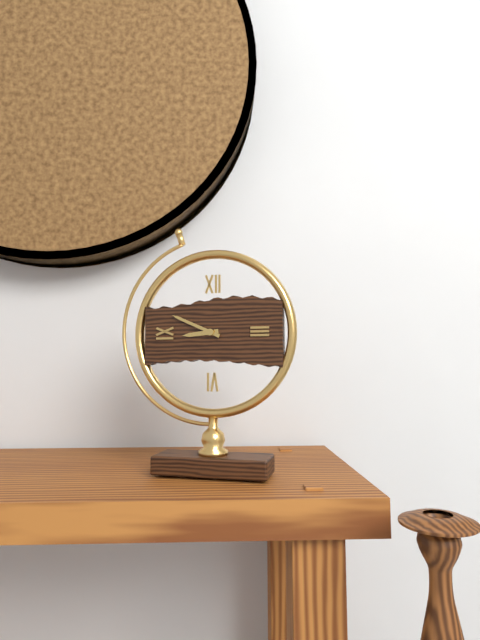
8:49
